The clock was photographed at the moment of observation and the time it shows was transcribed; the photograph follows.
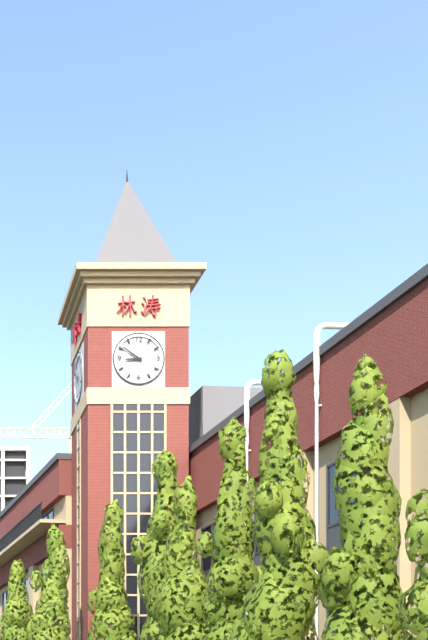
8:51
